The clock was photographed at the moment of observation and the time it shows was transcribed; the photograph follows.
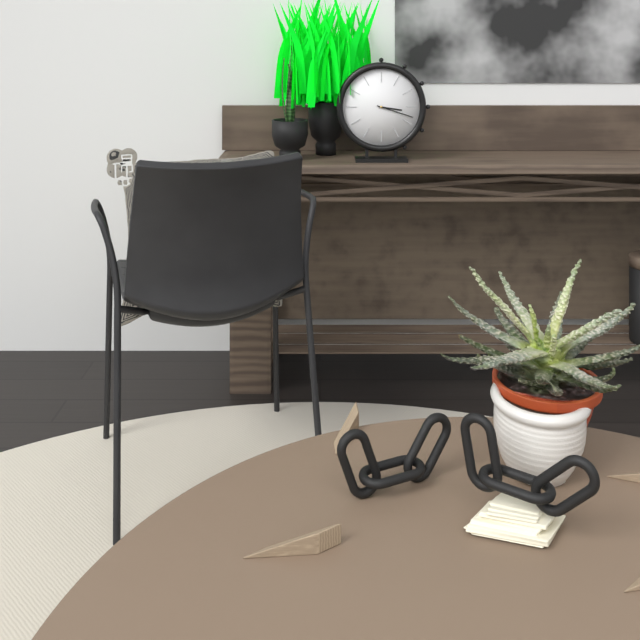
3:18
